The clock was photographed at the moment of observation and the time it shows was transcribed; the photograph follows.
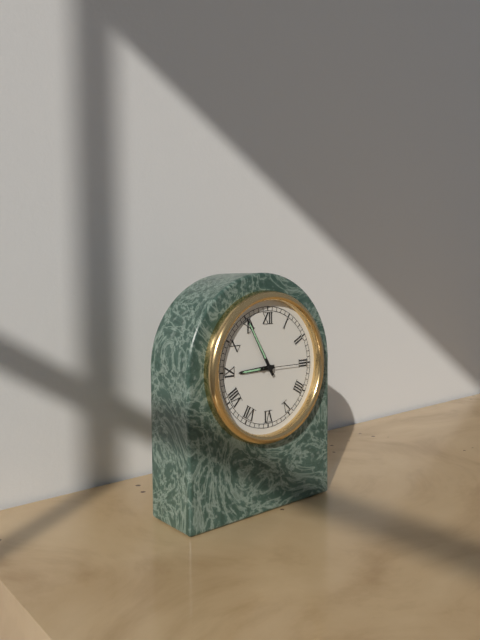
8:55:15
